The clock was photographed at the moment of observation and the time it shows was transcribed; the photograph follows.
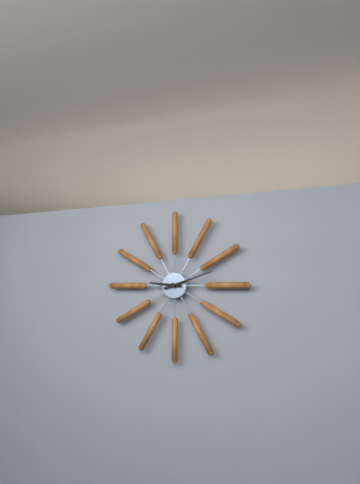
9:12
